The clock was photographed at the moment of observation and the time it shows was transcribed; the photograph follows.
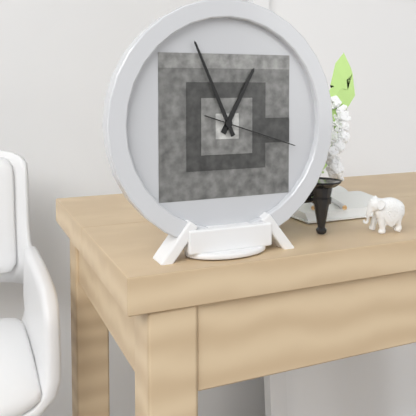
12:56:18
